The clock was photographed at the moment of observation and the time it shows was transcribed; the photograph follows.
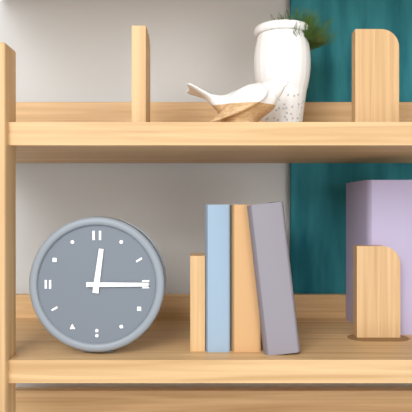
12:15
